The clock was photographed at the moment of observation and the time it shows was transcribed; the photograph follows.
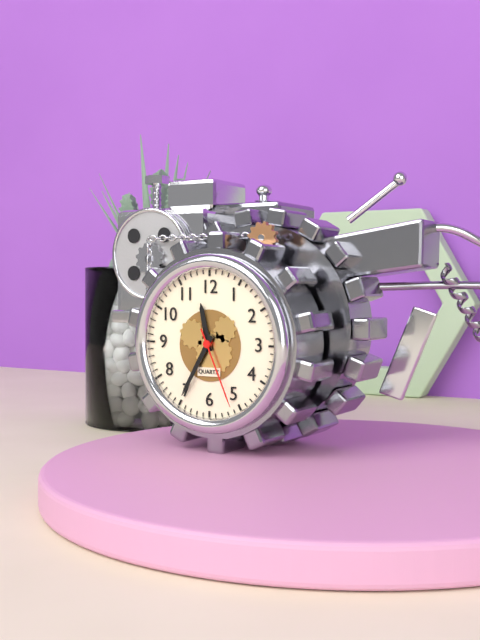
11:35:26
